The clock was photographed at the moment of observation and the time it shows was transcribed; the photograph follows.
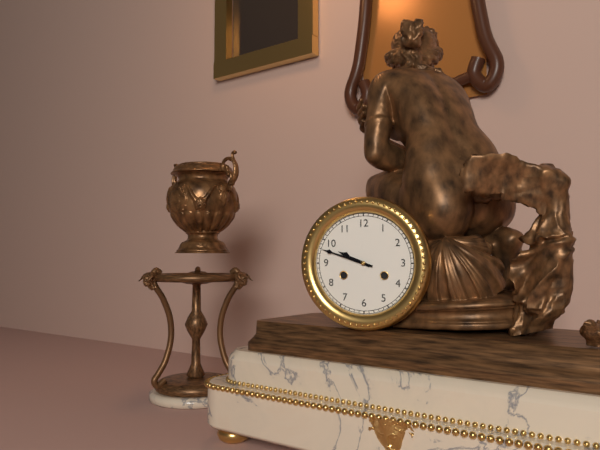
9:48
